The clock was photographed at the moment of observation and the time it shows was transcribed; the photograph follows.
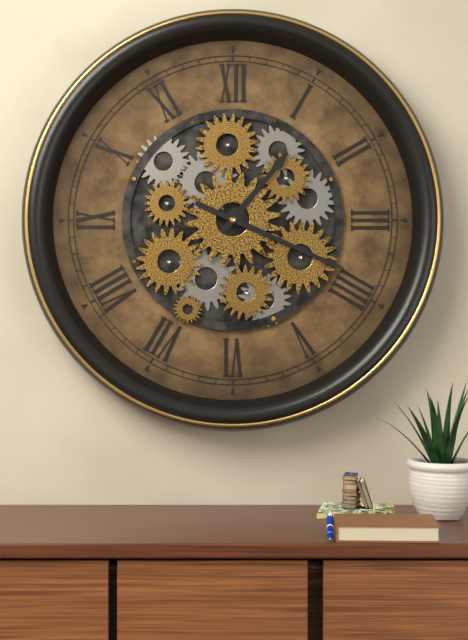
1:19
